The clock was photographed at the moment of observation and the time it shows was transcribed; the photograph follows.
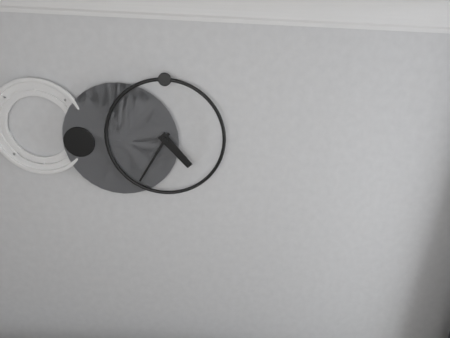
4:35
